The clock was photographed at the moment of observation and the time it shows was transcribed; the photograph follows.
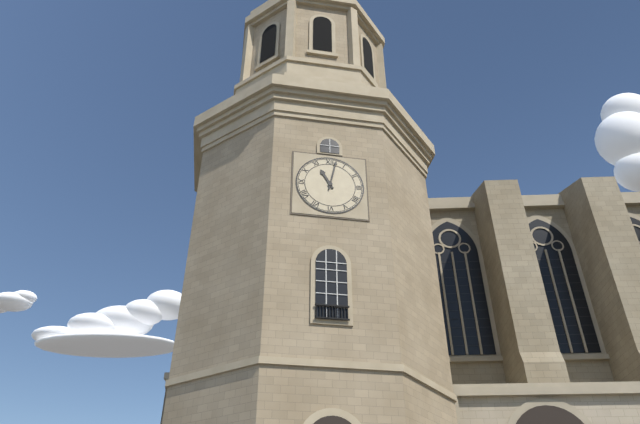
11:02
